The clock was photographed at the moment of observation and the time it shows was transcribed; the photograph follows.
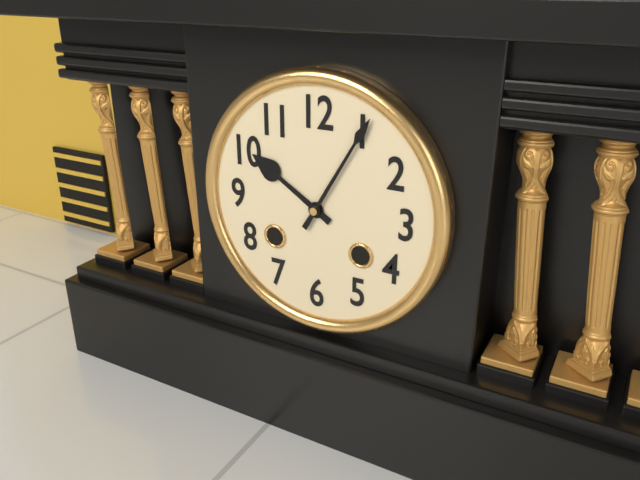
10:05
